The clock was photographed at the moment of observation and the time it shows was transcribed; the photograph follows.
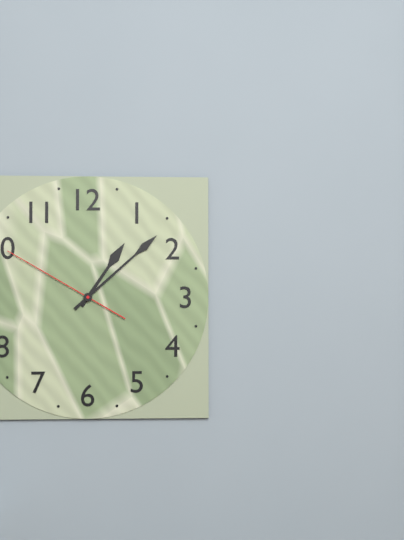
1:08:50
